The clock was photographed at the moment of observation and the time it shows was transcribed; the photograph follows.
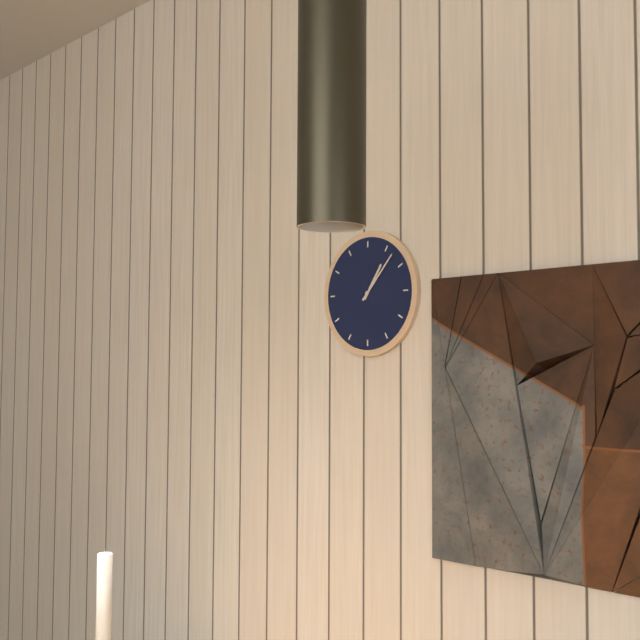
1:07
